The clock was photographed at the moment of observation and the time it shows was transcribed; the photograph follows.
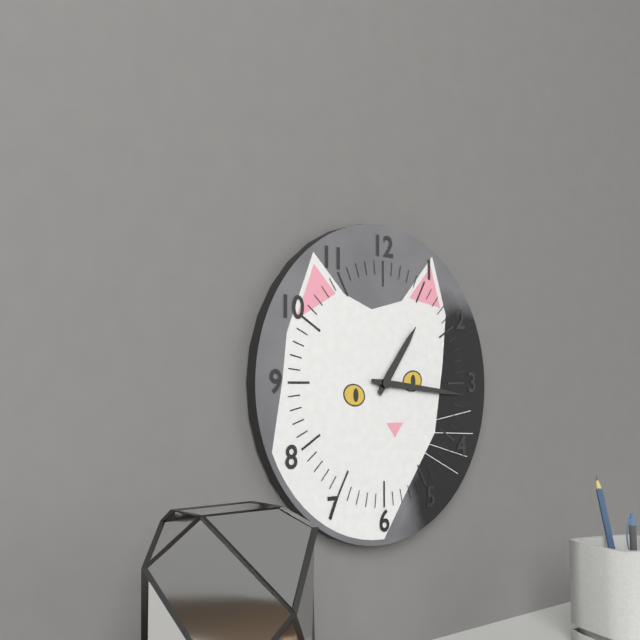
1:16
